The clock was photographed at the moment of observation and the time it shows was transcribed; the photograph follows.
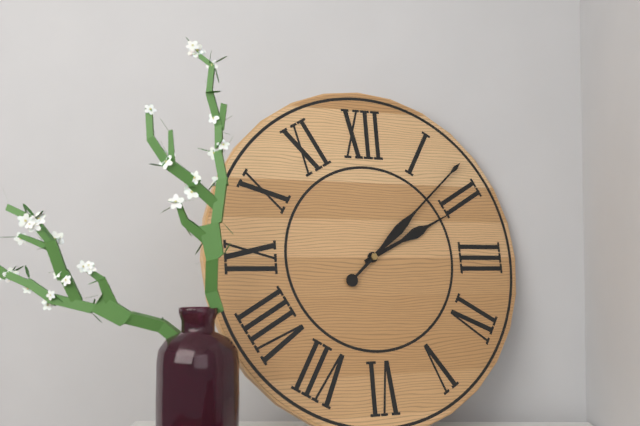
2:08
